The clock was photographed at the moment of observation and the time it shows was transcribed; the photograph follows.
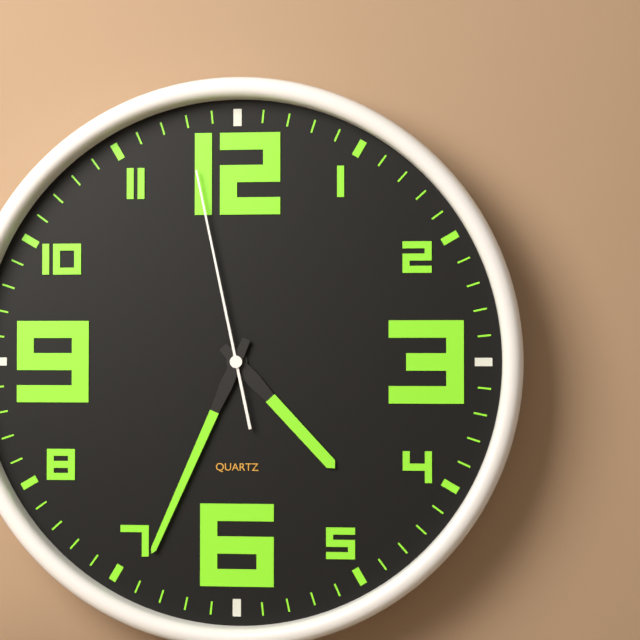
4:34:58
